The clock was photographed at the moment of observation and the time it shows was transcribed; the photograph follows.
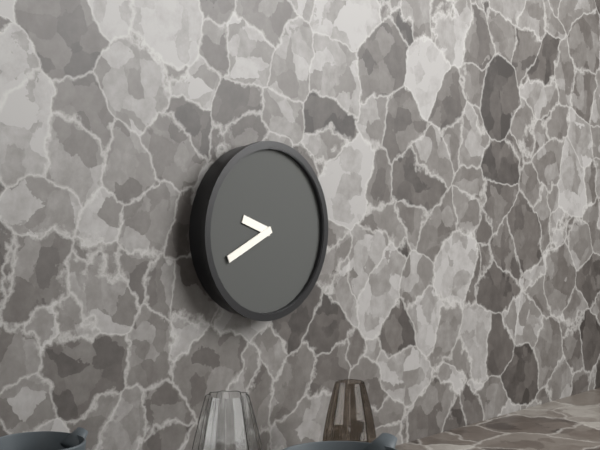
9:41
